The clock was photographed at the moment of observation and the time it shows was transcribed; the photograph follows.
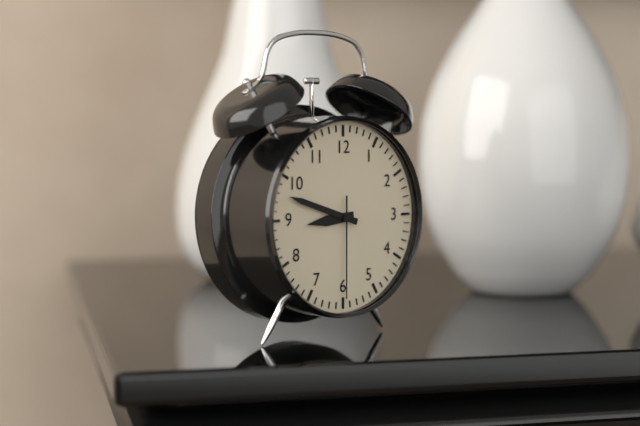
8:48:30
